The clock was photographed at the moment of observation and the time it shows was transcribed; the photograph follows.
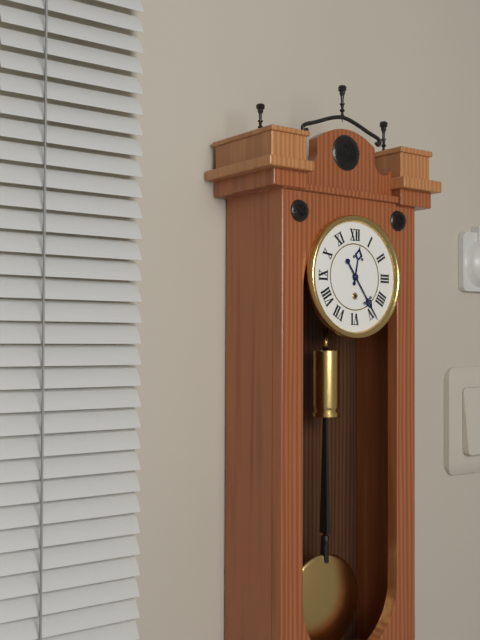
12:24
